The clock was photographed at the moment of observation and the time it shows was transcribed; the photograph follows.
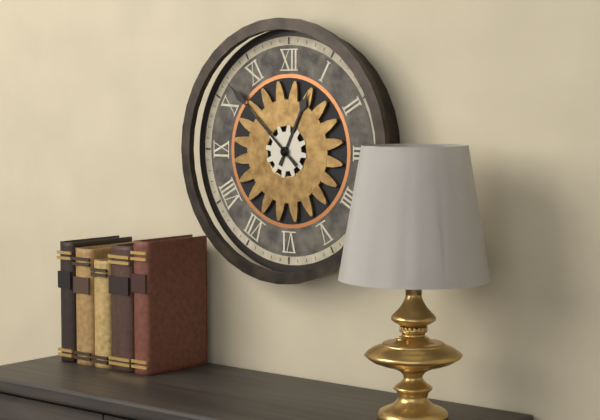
12:52
